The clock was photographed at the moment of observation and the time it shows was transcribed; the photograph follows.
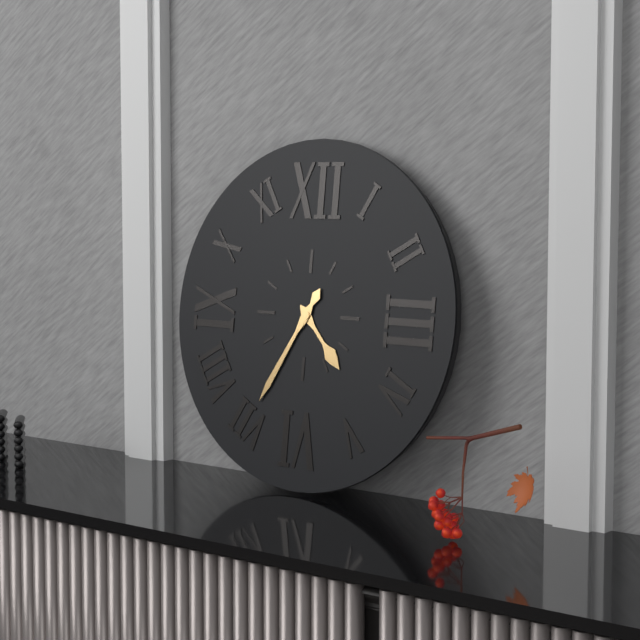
4:35
